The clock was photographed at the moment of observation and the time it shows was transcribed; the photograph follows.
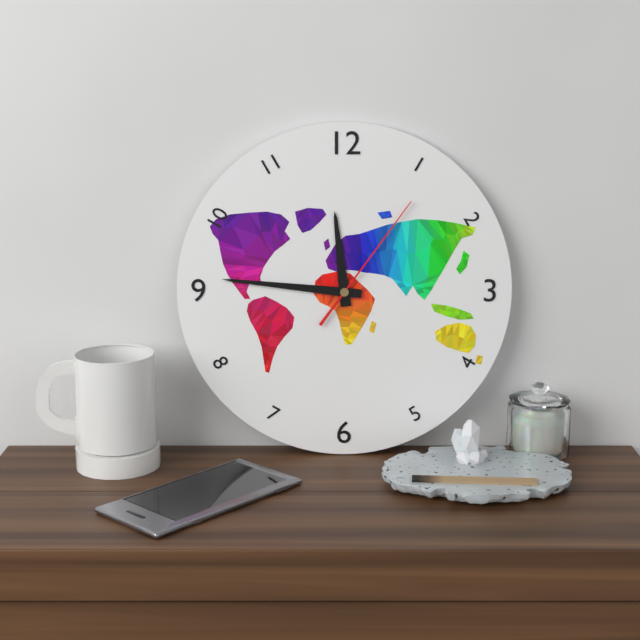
11:46:06
